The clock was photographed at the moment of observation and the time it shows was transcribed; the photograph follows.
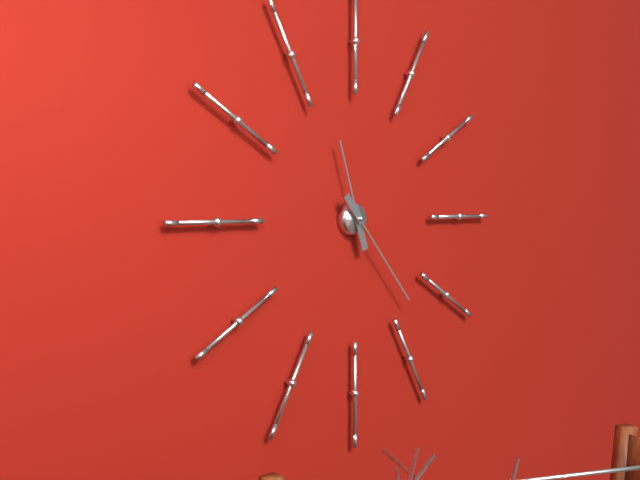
11:23
